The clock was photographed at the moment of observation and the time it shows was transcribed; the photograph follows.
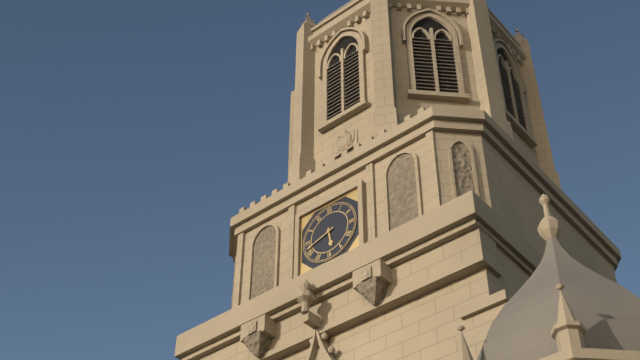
5:42
